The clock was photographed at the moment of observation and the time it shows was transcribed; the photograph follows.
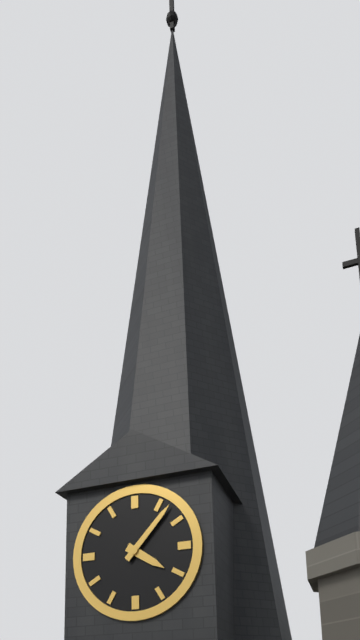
4:07
